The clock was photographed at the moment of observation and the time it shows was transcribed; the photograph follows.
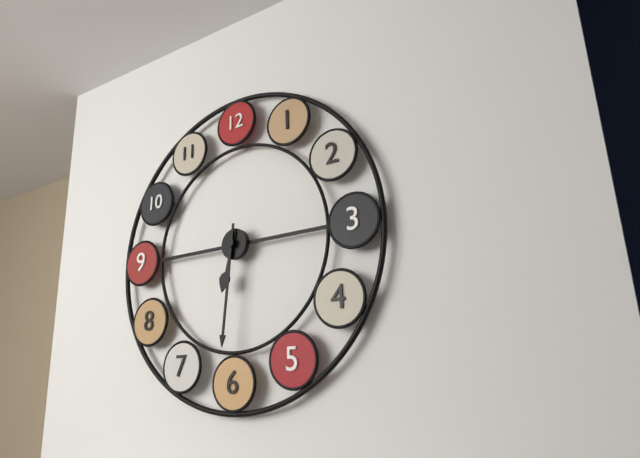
6:31
